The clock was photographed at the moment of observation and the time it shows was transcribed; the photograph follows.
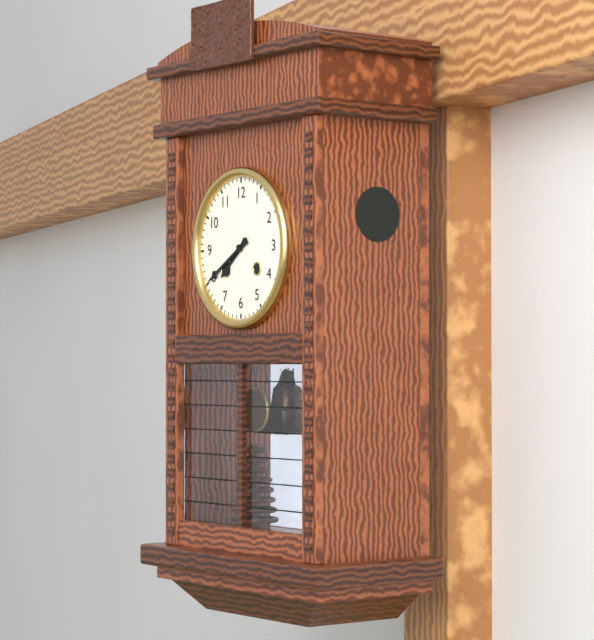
7:40
